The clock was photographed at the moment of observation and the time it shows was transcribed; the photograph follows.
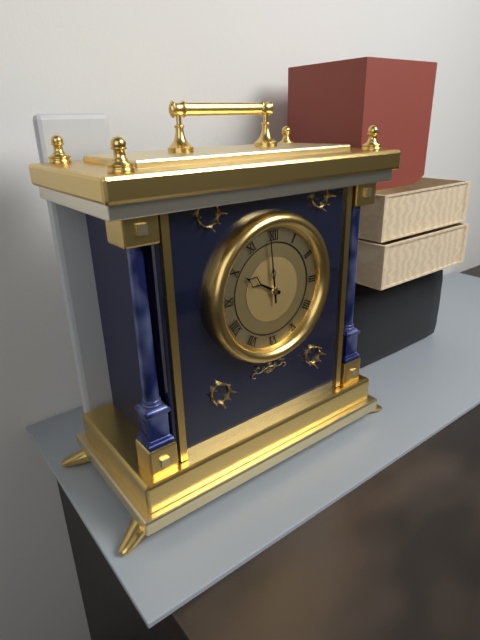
9:59
